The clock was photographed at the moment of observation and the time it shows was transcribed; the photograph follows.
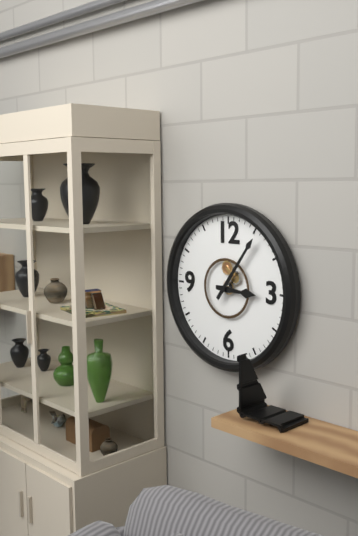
3:06
